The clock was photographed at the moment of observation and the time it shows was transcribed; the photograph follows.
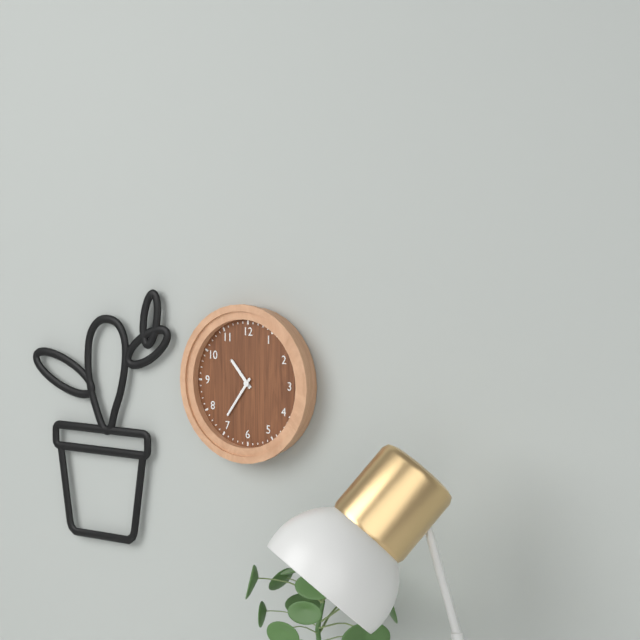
10:36
